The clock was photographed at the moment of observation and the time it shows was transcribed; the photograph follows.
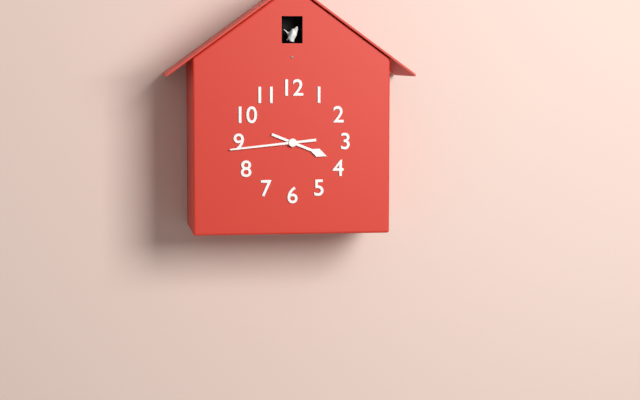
3:44
